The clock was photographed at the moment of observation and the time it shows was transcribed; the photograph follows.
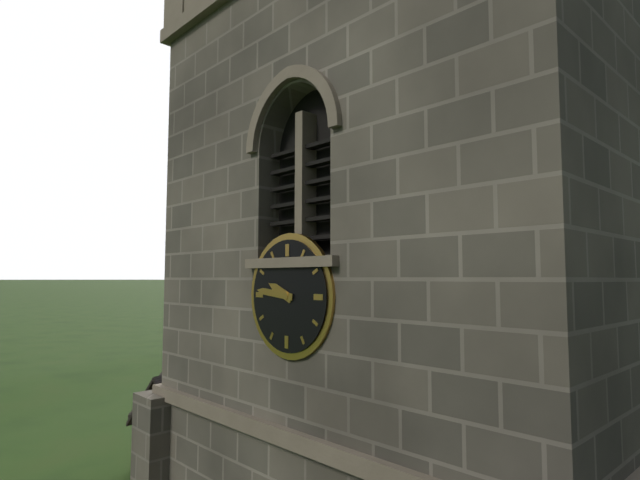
9:46
